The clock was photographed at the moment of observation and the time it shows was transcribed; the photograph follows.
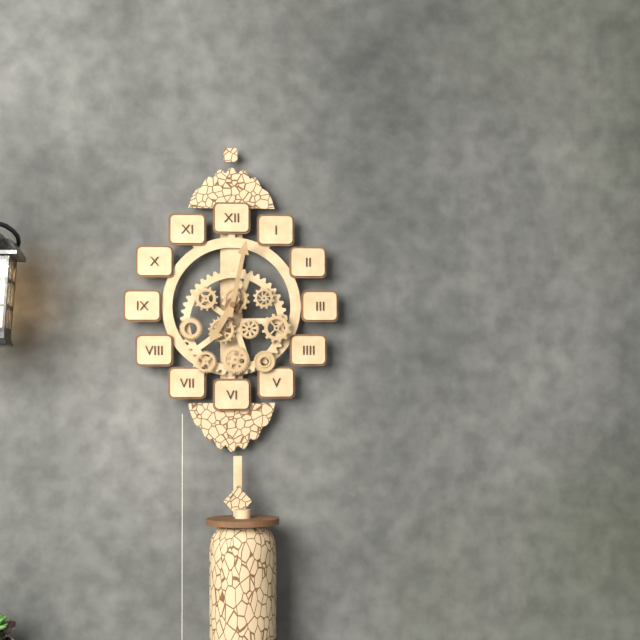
7:02
